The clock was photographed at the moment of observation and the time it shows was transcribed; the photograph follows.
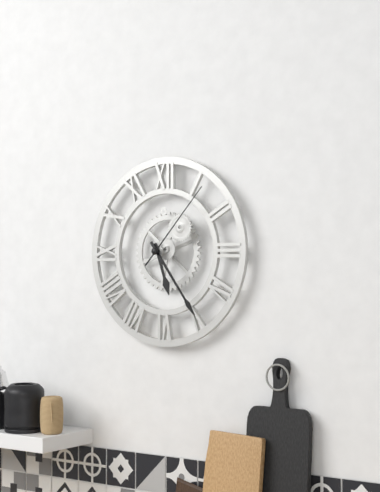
5:24:07
